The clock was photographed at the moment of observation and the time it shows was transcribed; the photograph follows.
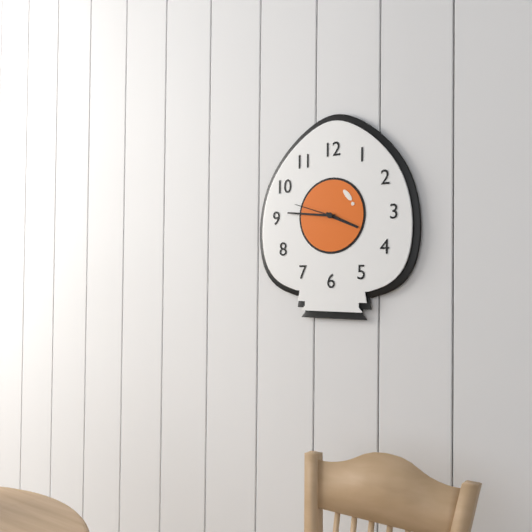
3:46
